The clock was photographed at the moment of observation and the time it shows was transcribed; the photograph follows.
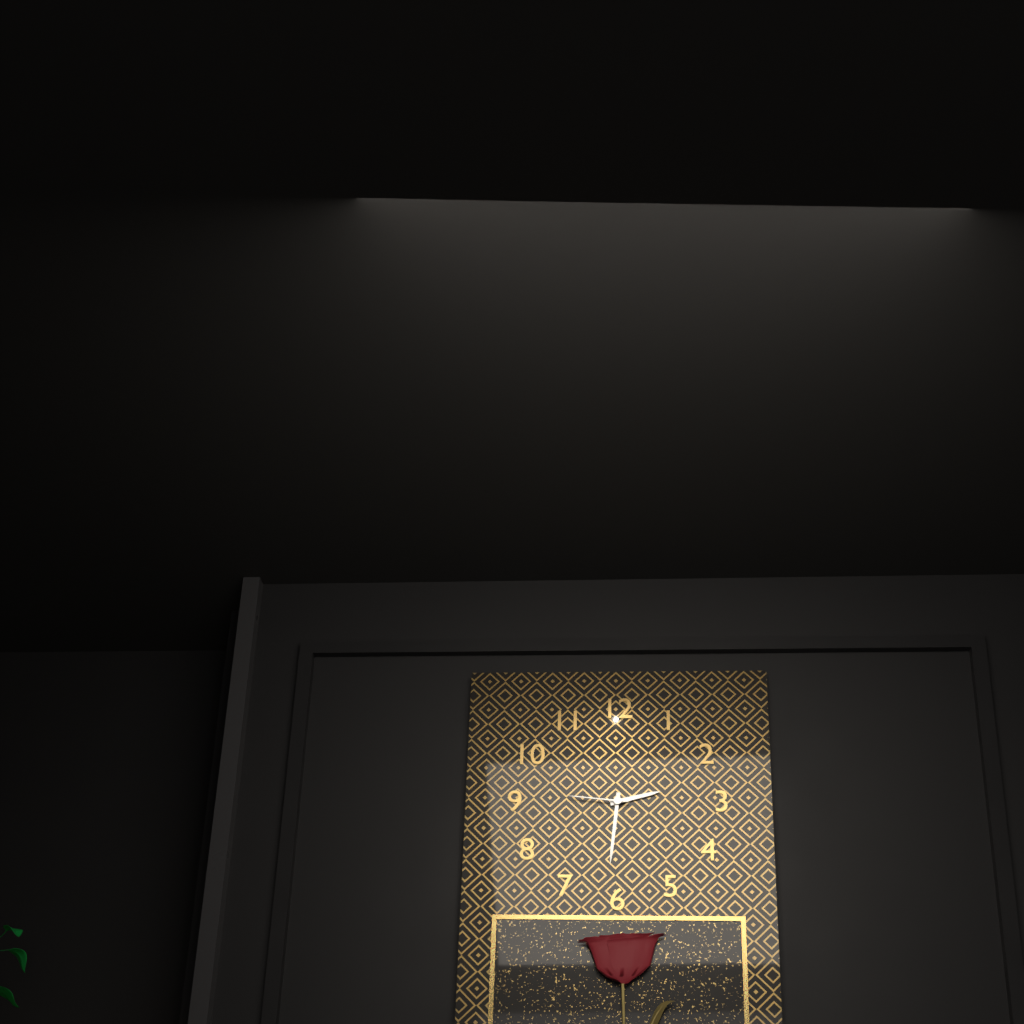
2:31:46
